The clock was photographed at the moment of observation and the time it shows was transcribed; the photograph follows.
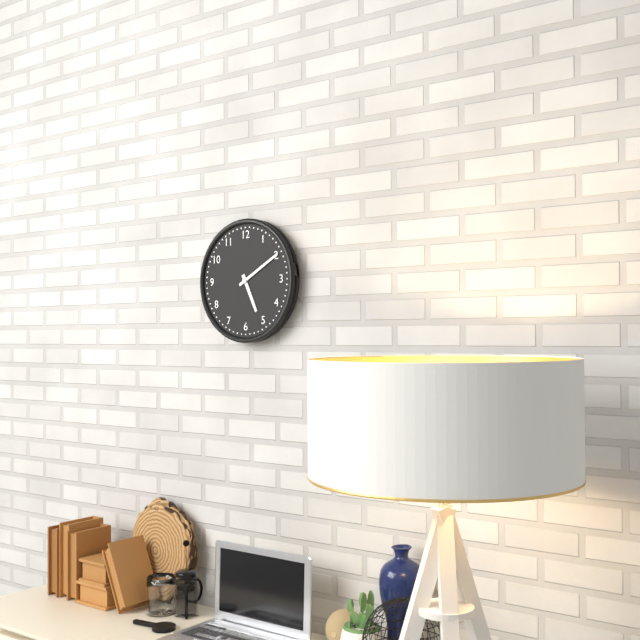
5:10
